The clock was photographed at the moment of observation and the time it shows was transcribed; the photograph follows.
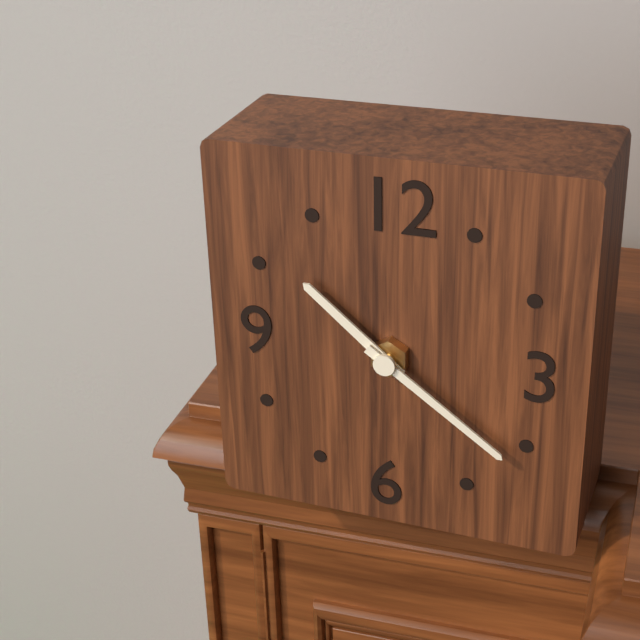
10:21
